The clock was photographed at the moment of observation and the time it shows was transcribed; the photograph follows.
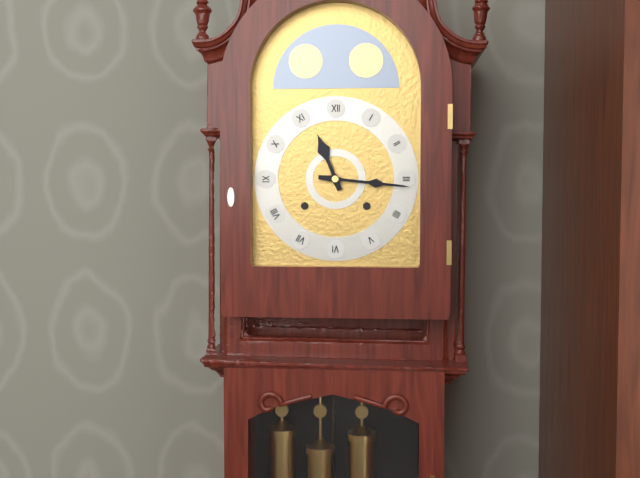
11:16
